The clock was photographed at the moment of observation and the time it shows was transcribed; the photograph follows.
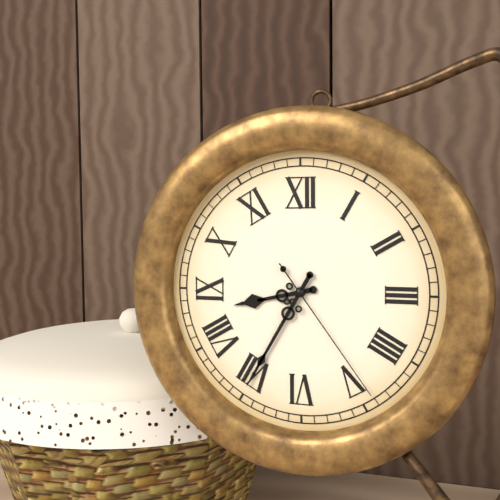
8:35:24
